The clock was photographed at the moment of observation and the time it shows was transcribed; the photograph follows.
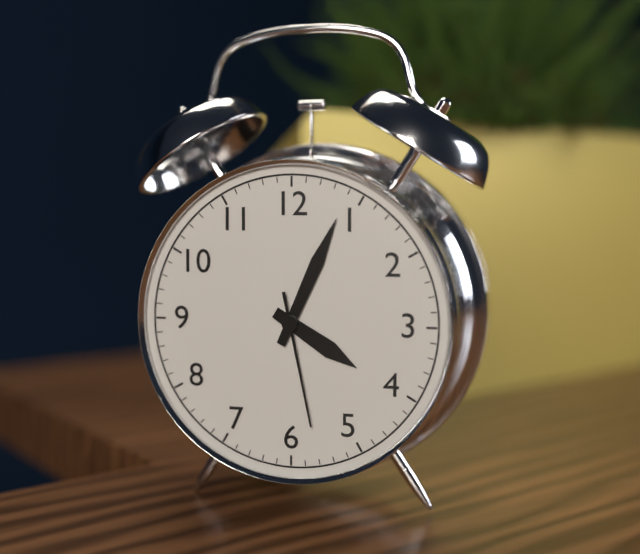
4:04:28
